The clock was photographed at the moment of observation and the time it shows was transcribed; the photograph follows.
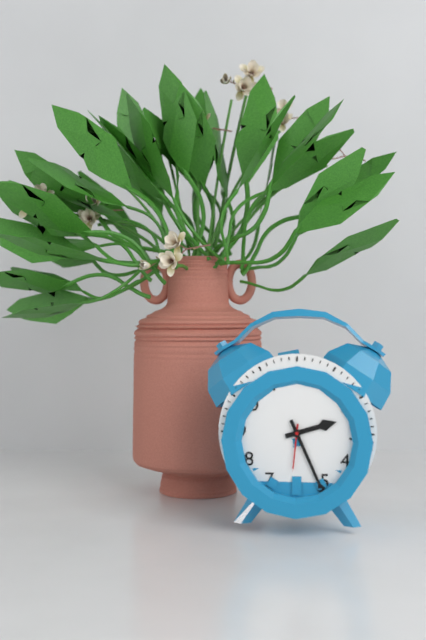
2:26
